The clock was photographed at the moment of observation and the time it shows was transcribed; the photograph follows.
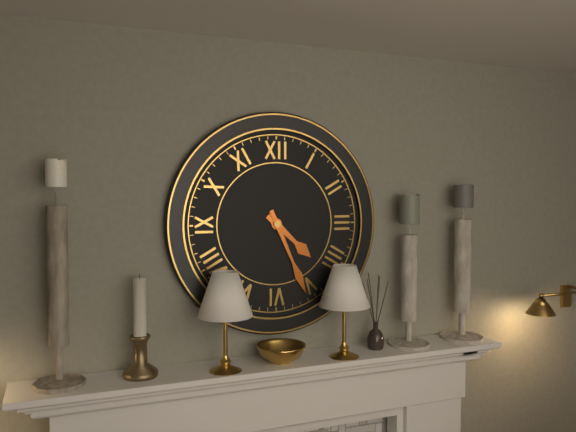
4:26
